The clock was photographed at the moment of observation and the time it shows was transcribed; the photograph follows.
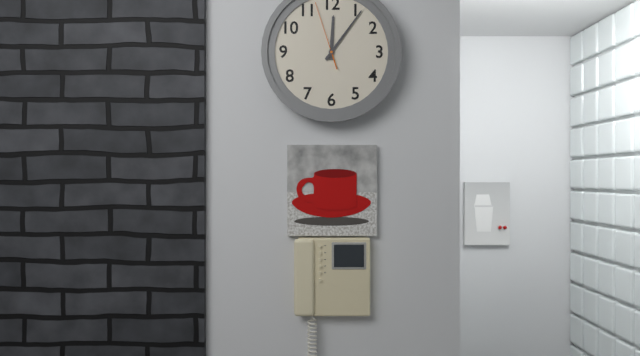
12:06:57
